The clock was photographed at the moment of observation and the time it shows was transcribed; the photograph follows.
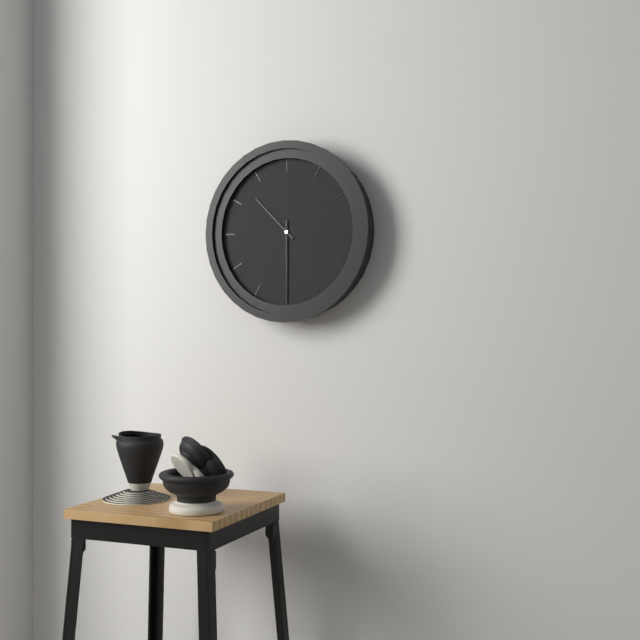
10:30
